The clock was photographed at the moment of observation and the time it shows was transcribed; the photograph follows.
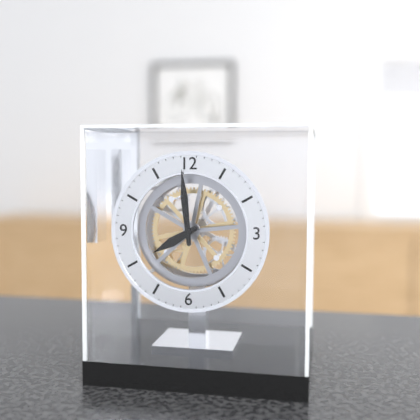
7:59
